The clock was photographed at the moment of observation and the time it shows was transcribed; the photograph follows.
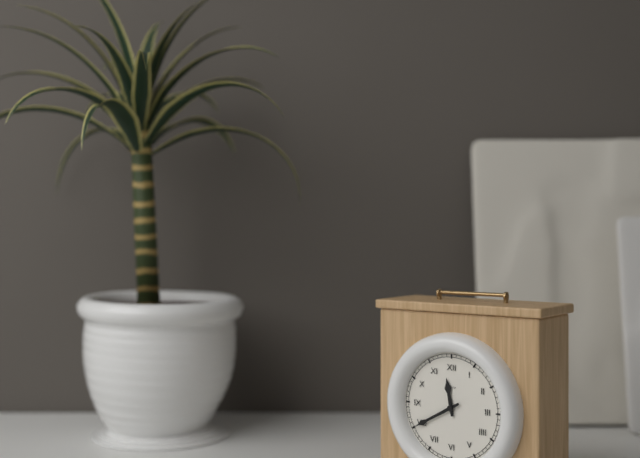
11:40
